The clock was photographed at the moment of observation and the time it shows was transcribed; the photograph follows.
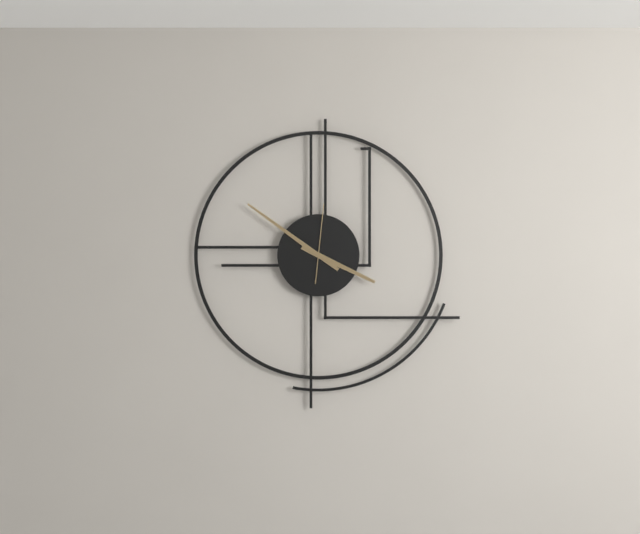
3:51:01
